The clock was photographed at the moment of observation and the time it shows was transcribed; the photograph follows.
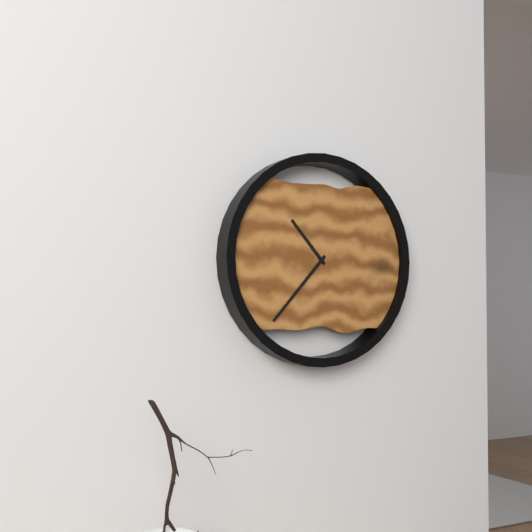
10:37
